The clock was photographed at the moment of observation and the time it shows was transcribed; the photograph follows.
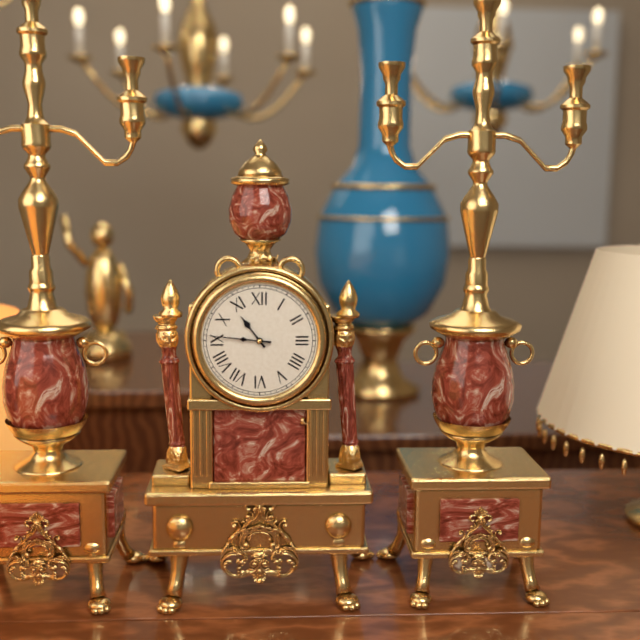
10:46
